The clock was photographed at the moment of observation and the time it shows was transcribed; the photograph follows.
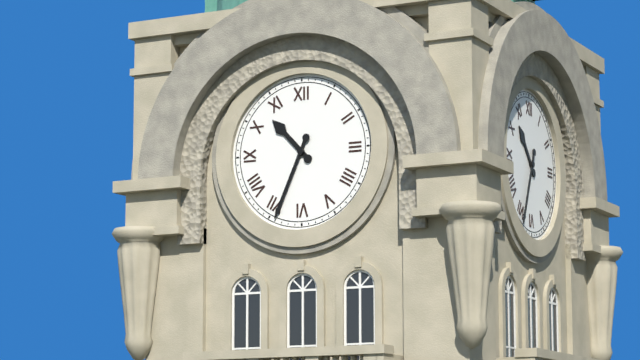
10:34
